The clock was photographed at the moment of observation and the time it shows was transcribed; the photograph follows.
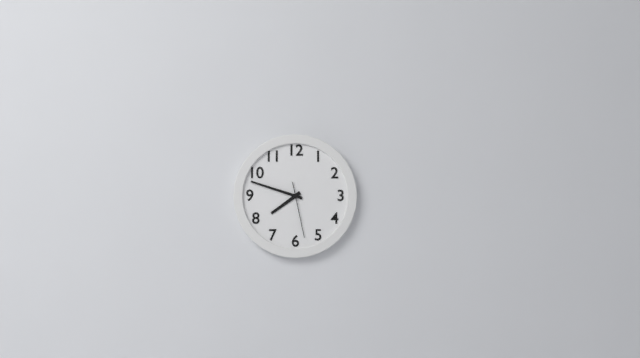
7:48:28
